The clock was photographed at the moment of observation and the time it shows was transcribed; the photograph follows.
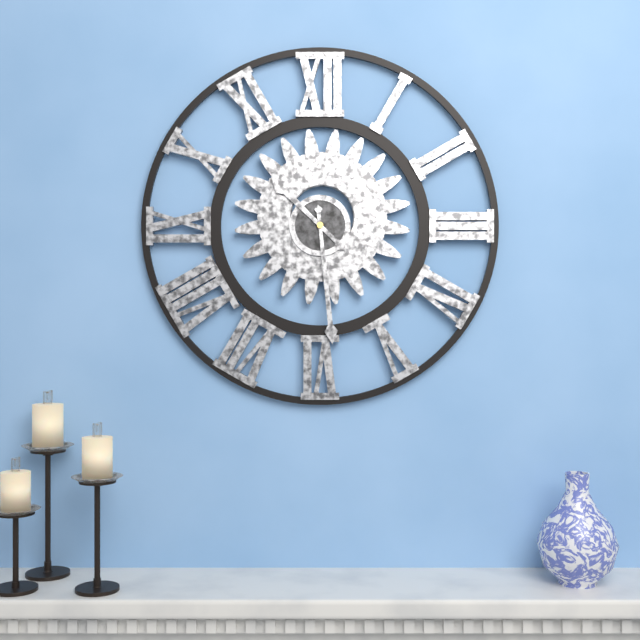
10:29
